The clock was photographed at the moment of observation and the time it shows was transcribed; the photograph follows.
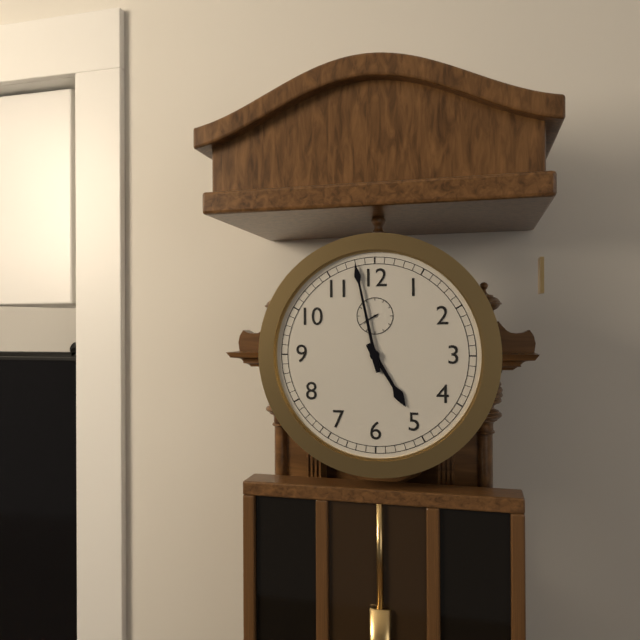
4:58
